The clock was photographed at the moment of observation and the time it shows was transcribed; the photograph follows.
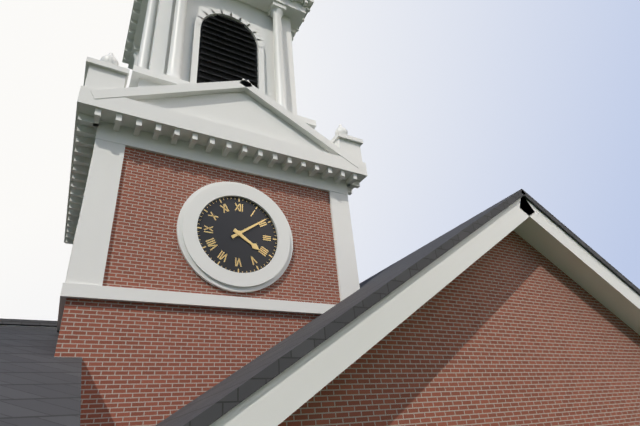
4:09
